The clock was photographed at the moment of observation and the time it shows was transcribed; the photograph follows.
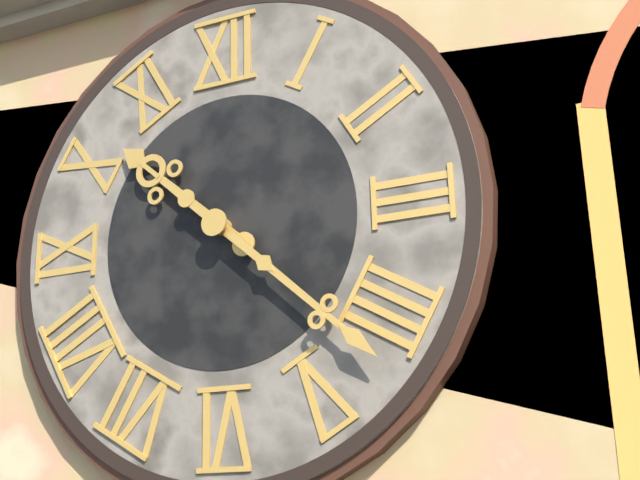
10:22
